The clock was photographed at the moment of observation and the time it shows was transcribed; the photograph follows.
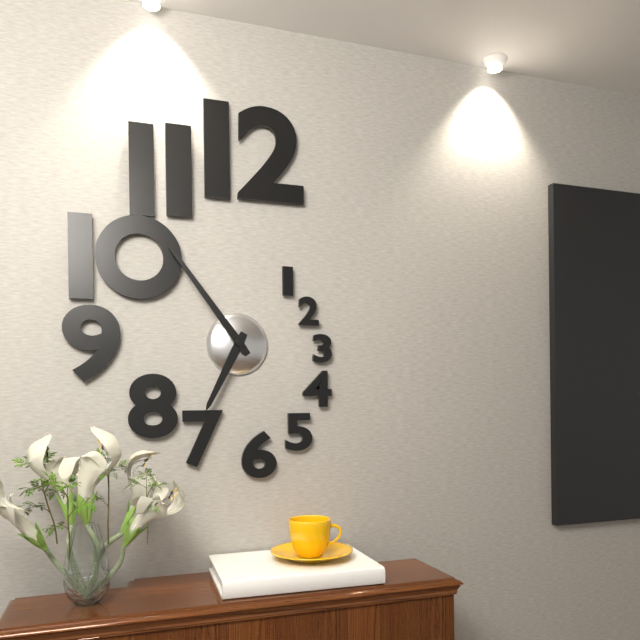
6:54
